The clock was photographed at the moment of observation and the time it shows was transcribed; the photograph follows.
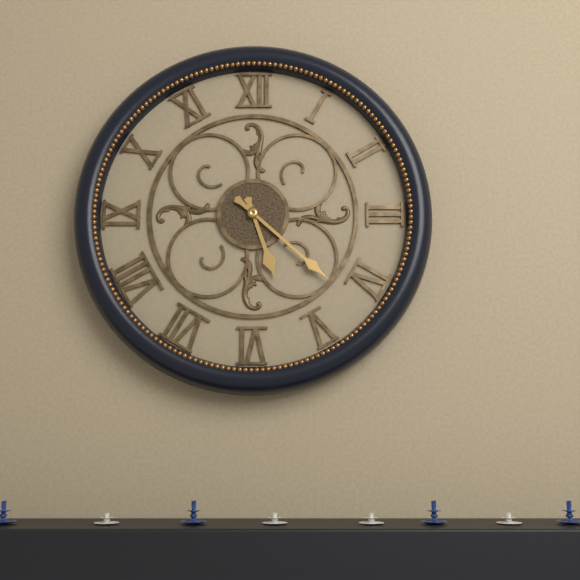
5:22
